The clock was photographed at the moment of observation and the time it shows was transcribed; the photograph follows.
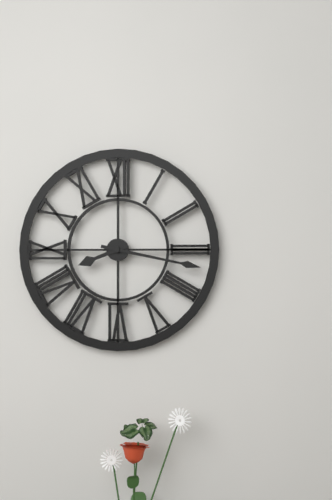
8:17
